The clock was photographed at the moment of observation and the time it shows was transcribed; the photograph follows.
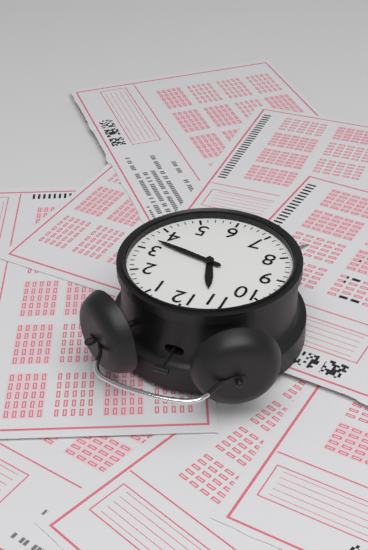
11:17
